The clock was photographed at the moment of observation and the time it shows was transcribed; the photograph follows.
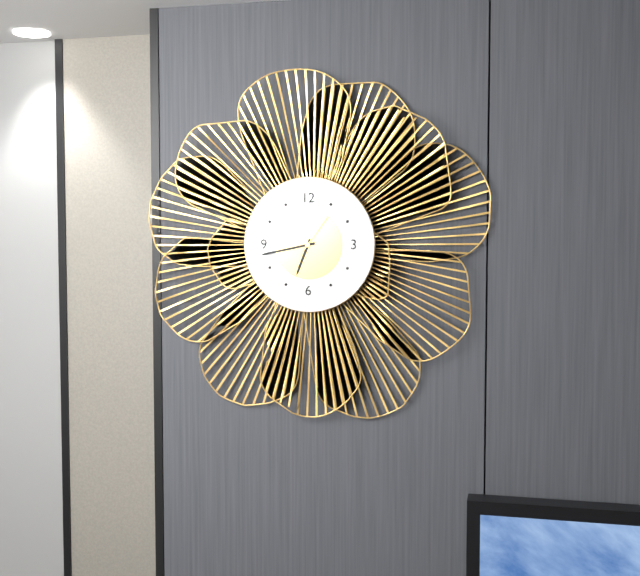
6:43:06
